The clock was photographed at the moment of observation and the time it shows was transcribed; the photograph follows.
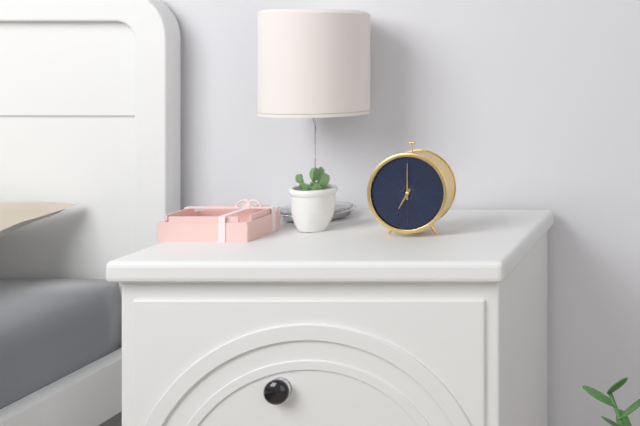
7:00
